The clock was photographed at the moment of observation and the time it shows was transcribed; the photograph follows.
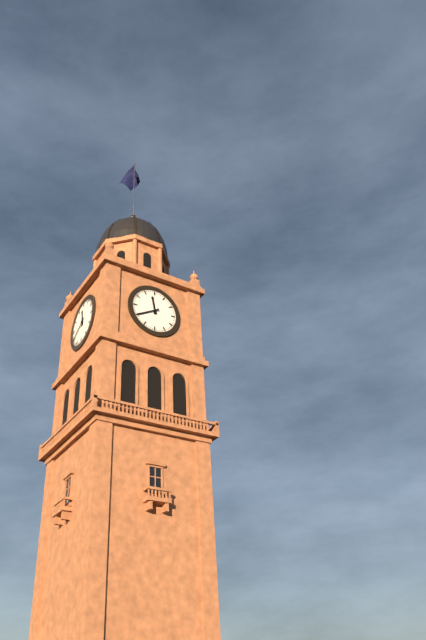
11:40
